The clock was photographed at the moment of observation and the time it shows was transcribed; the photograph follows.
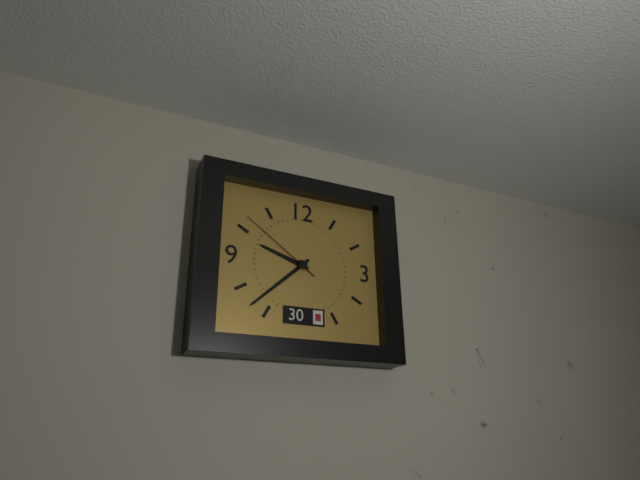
9:38:51
